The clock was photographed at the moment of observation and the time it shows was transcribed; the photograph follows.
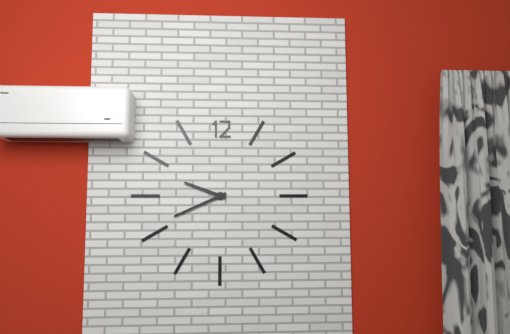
9:41
